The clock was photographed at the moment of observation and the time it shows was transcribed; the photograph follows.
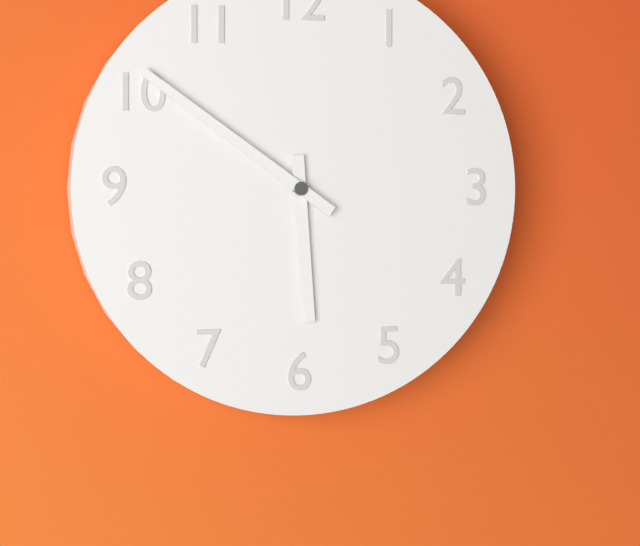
5:51
